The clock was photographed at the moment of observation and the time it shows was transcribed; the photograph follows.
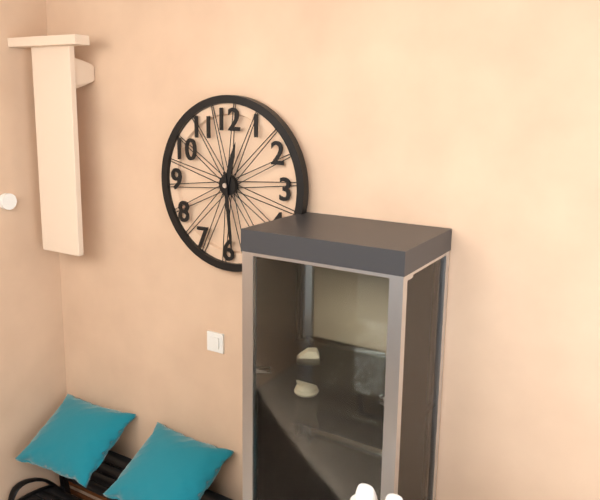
12:29
